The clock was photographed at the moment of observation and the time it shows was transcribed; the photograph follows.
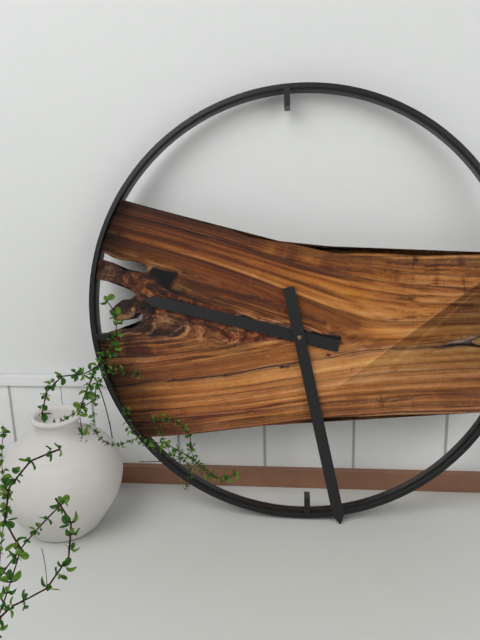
9:28
